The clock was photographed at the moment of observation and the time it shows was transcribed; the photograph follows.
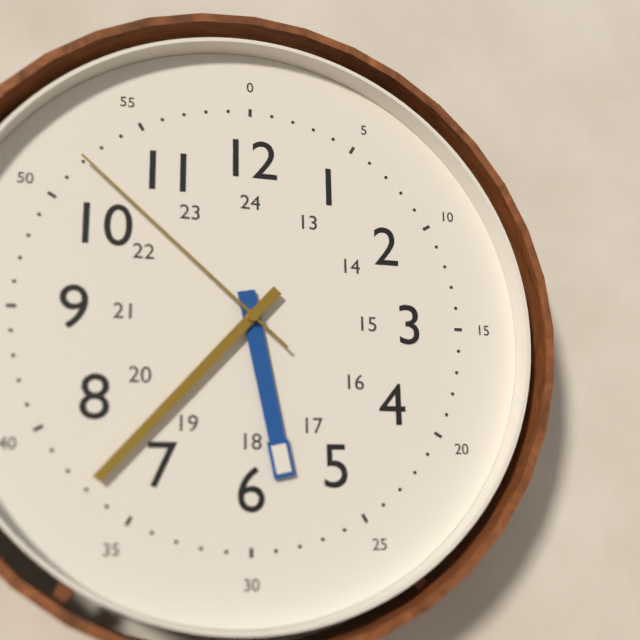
5:37:52
